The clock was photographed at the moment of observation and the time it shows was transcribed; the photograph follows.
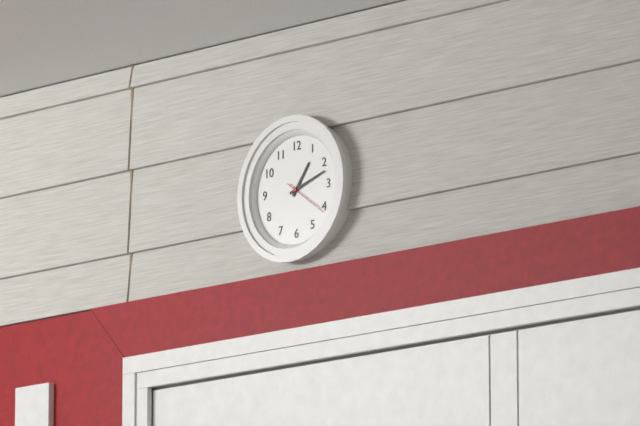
1:12
